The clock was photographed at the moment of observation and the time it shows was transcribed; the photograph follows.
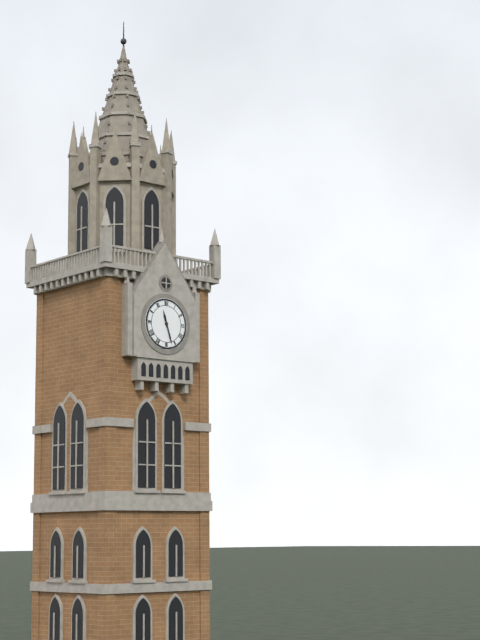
11:27
